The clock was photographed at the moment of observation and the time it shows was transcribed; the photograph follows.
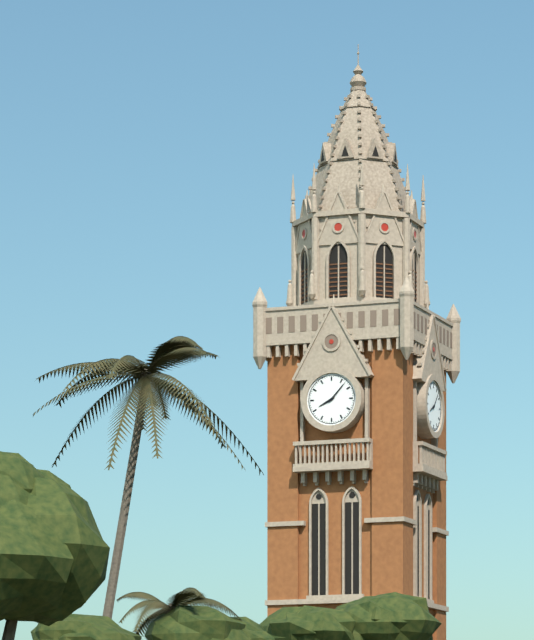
8:07
